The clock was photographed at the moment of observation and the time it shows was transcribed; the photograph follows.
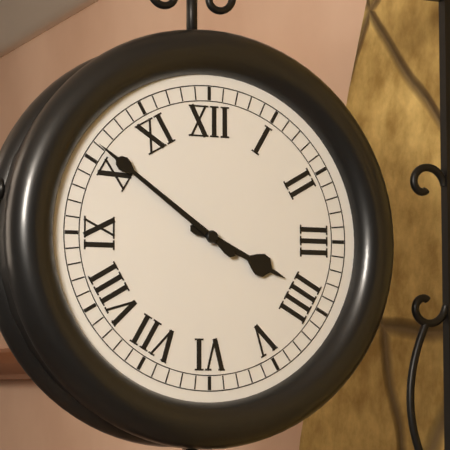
3:51
